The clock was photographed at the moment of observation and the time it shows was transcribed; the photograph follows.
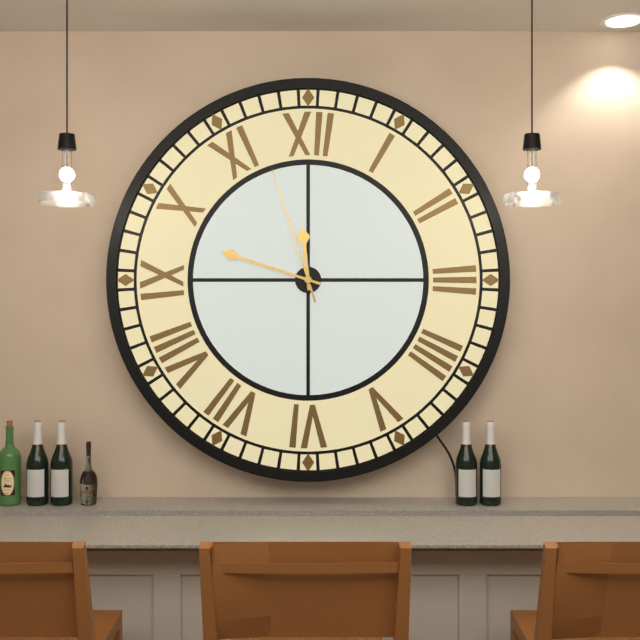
11:48:57
